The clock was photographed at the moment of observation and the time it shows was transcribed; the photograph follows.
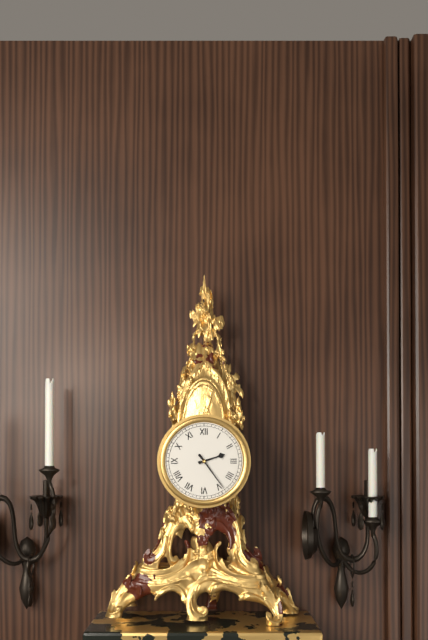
2:24
